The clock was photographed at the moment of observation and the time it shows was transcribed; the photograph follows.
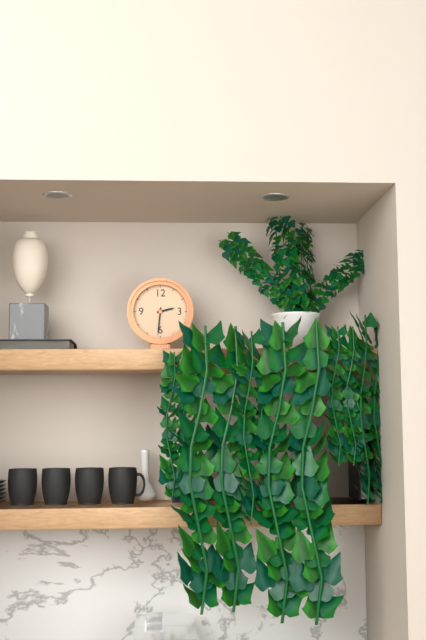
2:31
